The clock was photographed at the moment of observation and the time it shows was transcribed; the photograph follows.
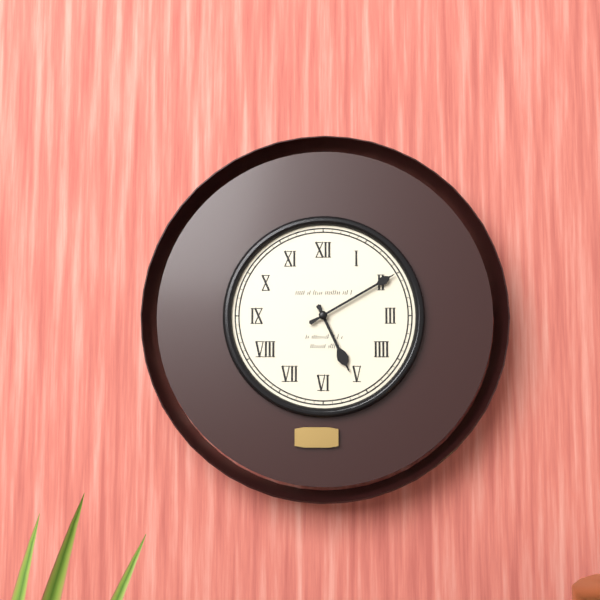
5:10
